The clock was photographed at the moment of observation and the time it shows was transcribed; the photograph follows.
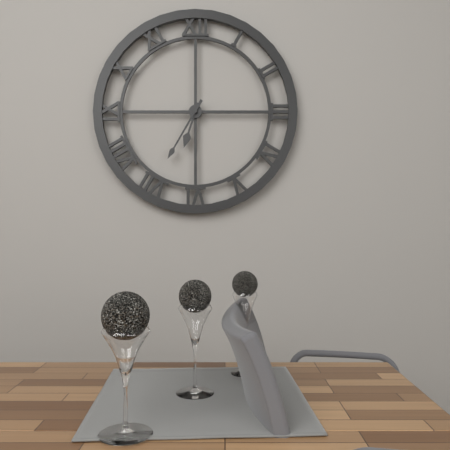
6:35
